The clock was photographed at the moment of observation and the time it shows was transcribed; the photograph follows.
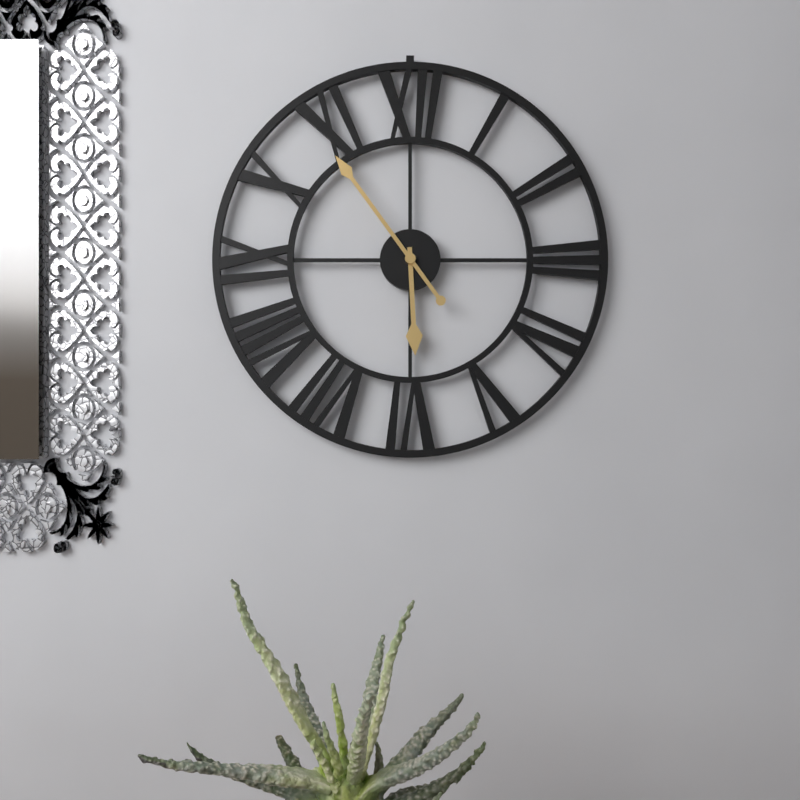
5:54
